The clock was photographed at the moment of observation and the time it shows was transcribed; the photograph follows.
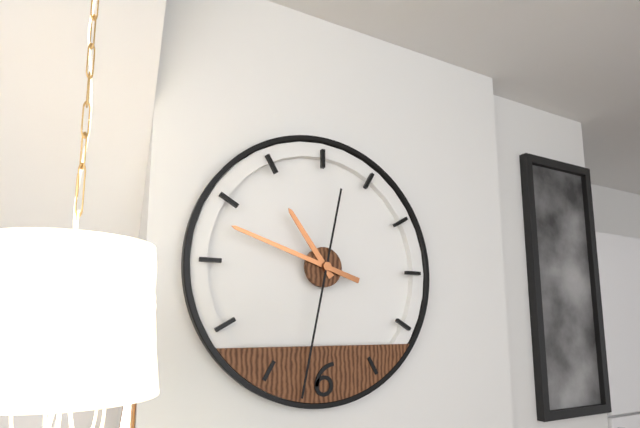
10:48:32
